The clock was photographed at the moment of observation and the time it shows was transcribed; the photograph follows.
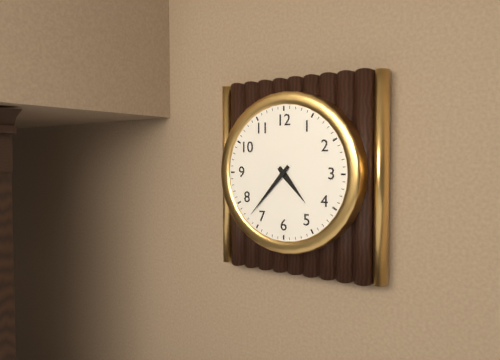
4:37
